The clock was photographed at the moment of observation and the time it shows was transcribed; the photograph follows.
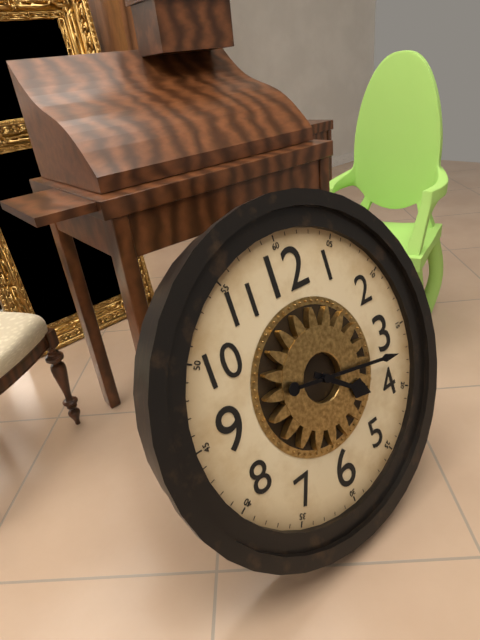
4:17
